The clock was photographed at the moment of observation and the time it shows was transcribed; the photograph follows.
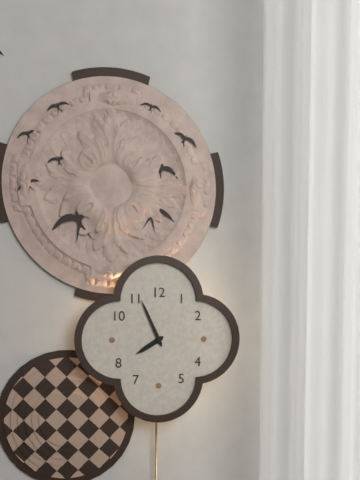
7:56
